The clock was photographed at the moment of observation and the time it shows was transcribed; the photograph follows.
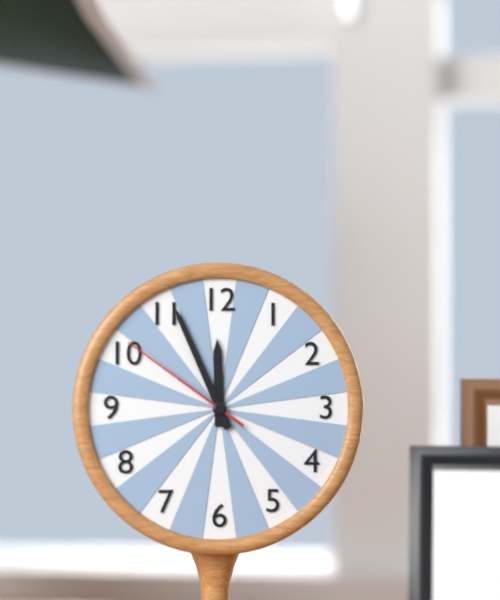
11:56:51
